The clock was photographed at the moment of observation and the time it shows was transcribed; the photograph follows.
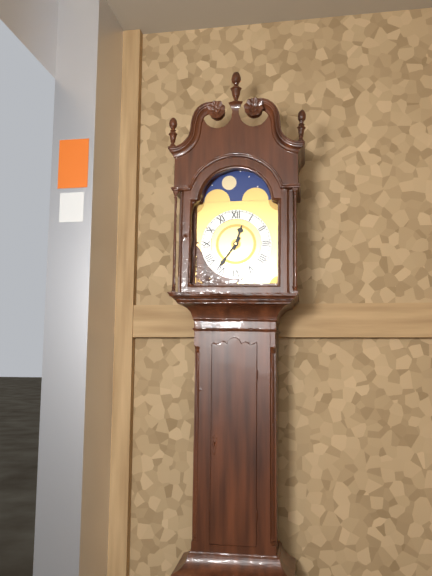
12:36
